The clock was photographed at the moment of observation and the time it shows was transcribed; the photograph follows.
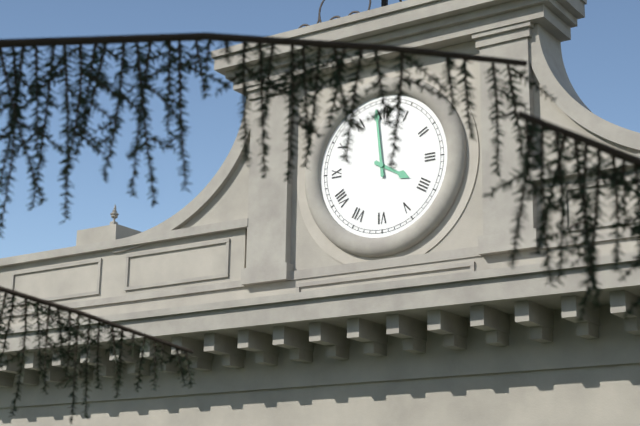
3:59
